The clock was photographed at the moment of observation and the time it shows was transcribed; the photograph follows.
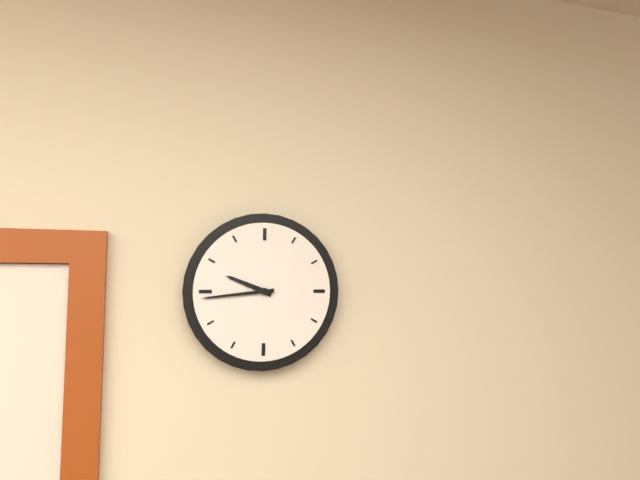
9:44
